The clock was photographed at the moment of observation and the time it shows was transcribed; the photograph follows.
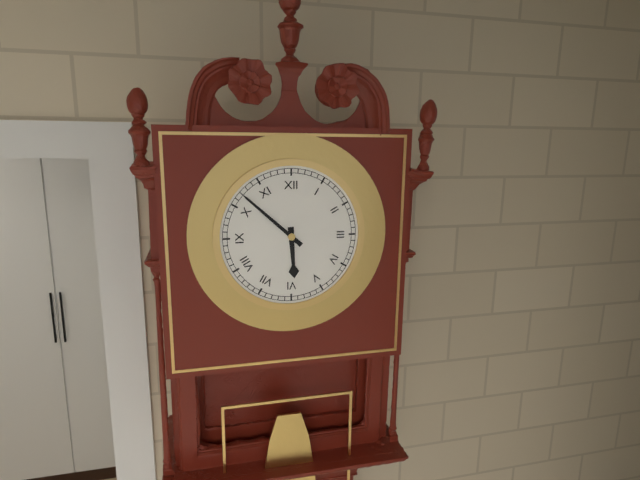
5:52
